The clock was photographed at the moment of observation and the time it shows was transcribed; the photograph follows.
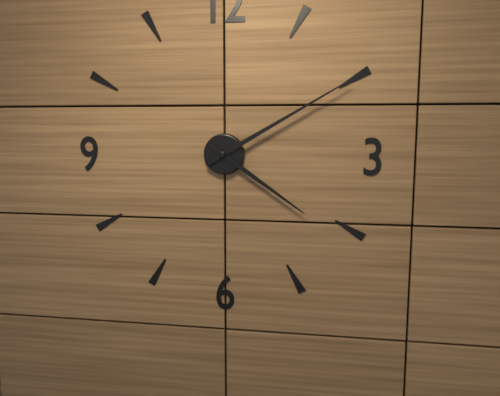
4:10
